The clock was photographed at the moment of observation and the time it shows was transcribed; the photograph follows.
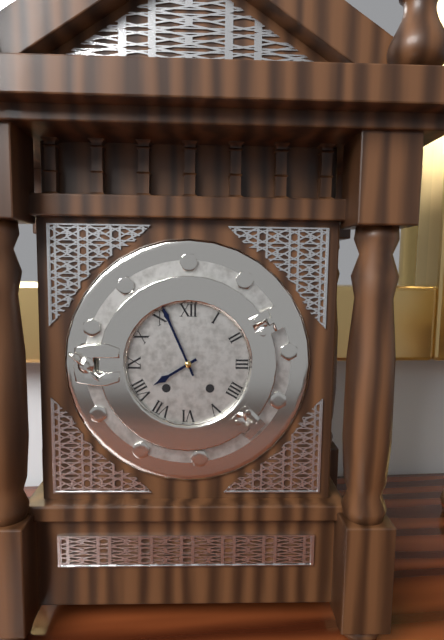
7:56
